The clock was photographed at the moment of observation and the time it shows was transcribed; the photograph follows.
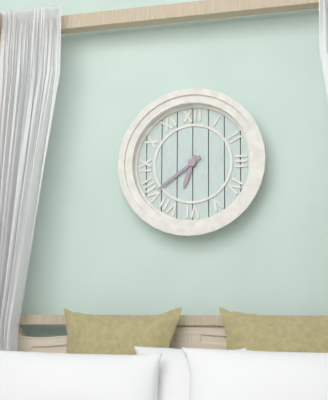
6:39
